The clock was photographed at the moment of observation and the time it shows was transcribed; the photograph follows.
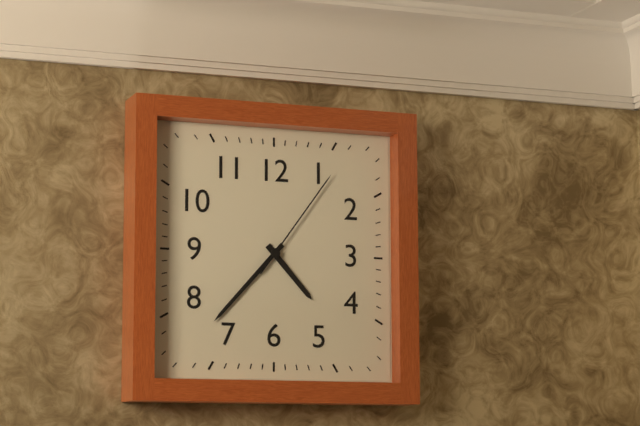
4:37:06
